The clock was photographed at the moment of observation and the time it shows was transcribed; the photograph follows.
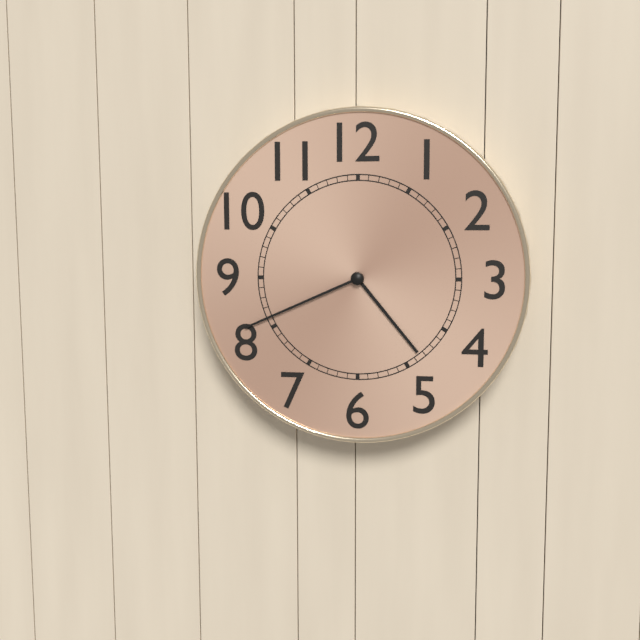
4:41
